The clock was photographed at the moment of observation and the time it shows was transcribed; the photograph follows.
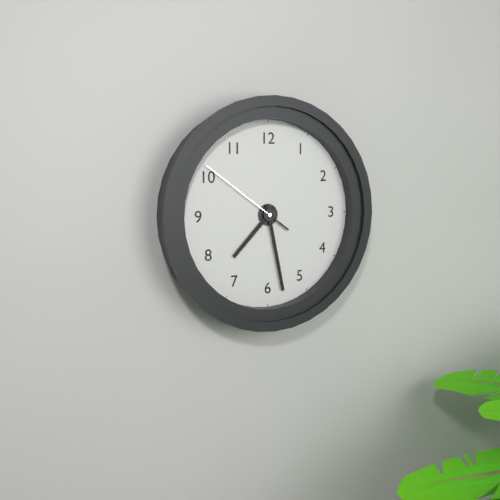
7:28:51
